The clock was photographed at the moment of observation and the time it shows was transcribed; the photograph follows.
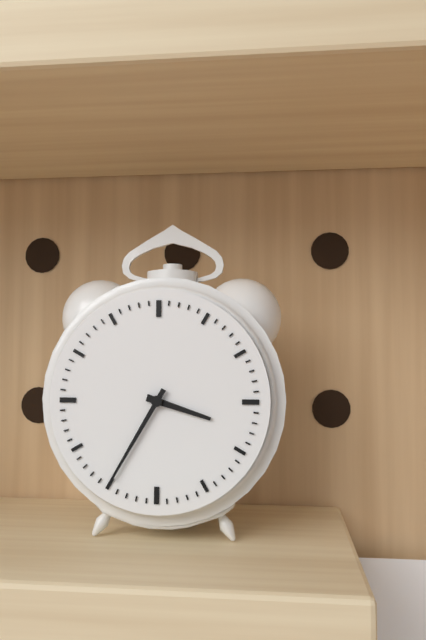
3:35
